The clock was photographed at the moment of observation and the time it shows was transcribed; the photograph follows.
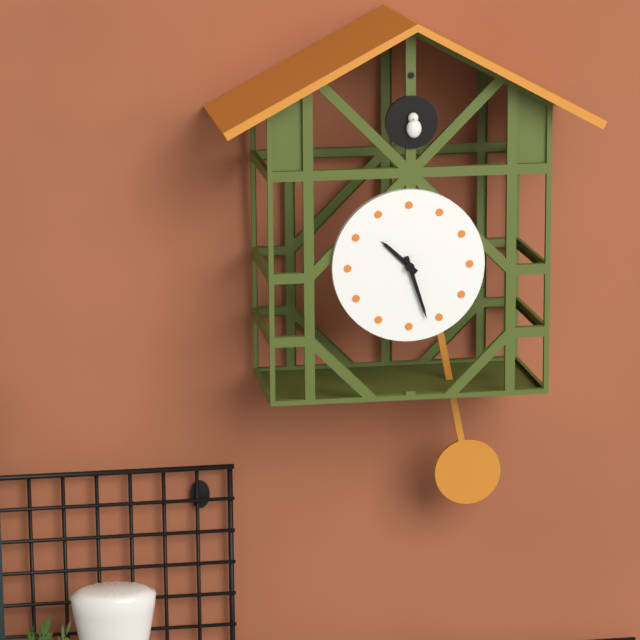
10:27
